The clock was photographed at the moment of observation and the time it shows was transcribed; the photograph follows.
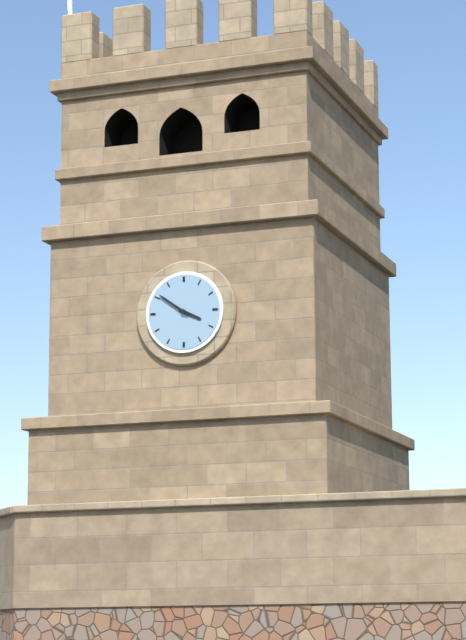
3:51
